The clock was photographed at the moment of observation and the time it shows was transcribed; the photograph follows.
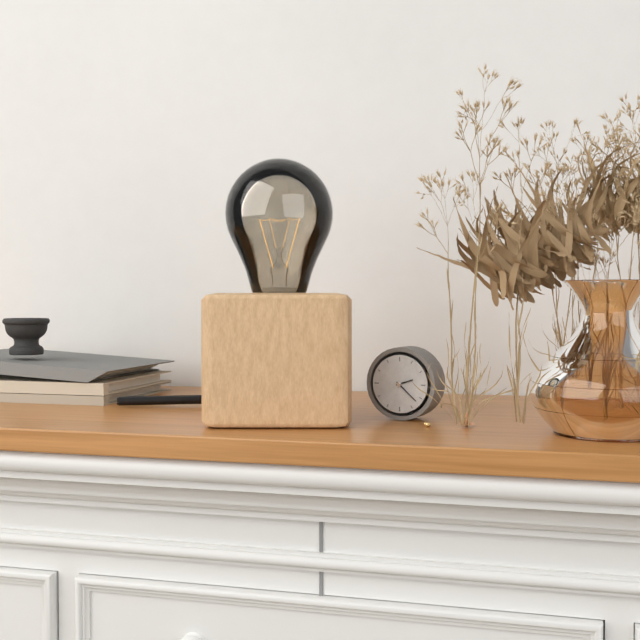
2:22
